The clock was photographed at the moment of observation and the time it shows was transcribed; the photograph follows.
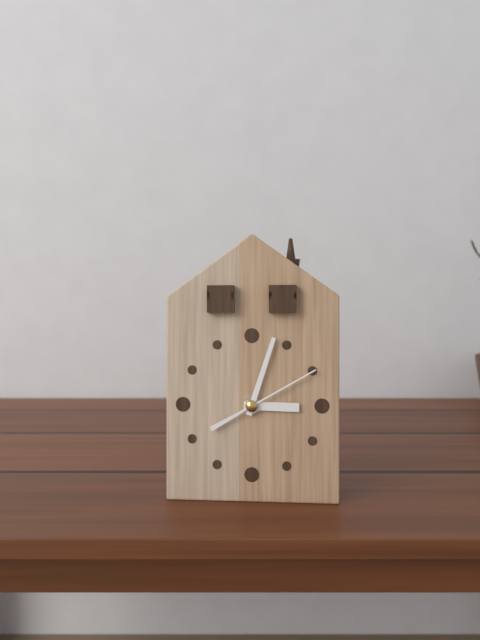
3:03:10
